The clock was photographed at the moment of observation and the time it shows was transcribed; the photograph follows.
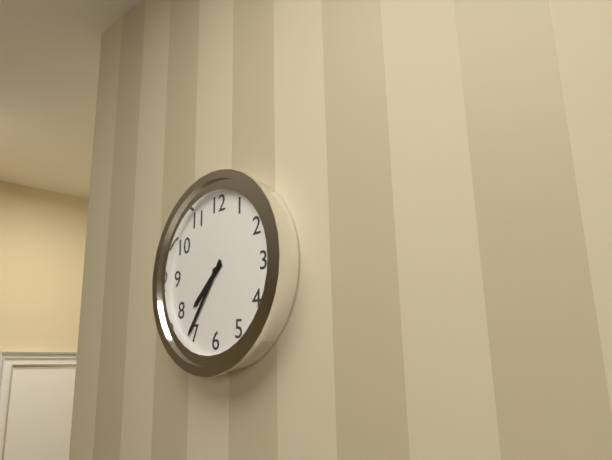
7:36
